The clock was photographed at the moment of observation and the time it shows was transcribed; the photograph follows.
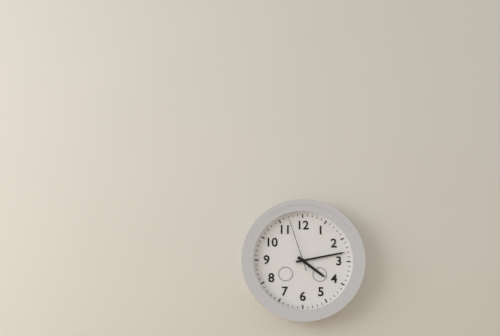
4:13:57
